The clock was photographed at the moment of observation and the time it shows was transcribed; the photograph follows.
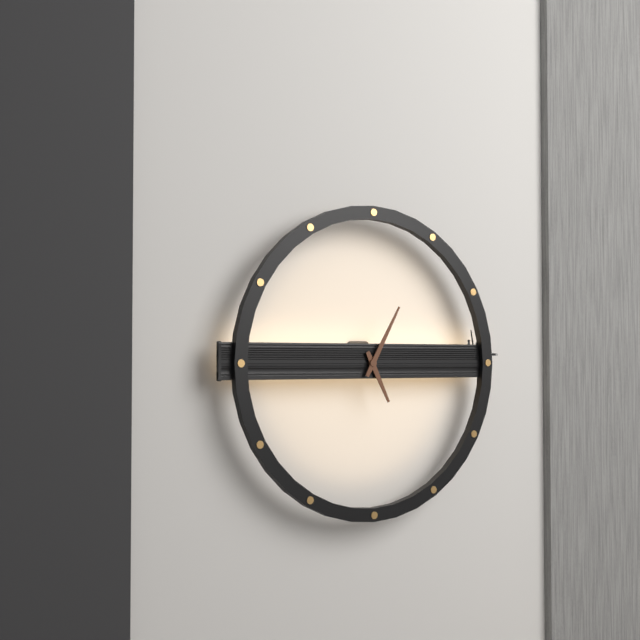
5:05
